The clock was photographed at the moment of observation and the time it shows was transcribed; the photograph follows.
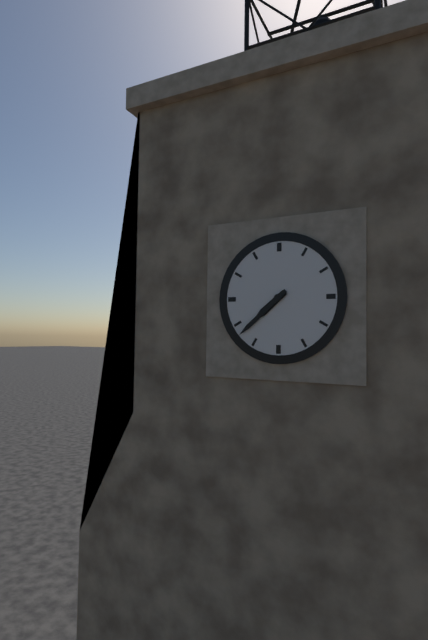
7:38
